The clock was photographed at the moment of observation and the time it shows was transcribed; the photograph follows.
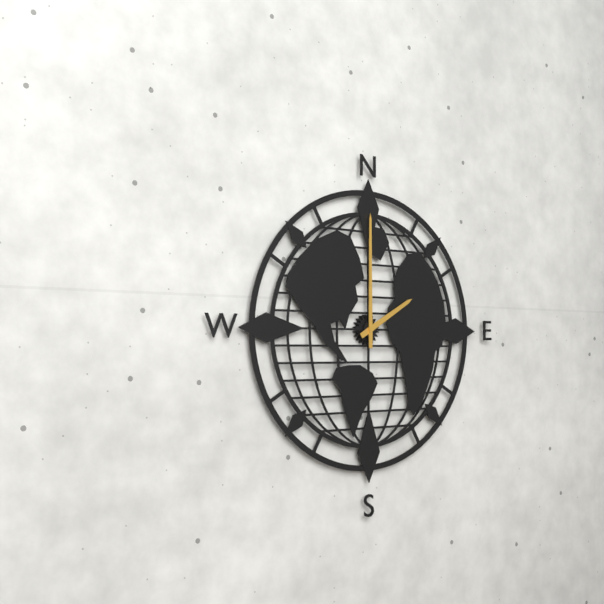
2:00
